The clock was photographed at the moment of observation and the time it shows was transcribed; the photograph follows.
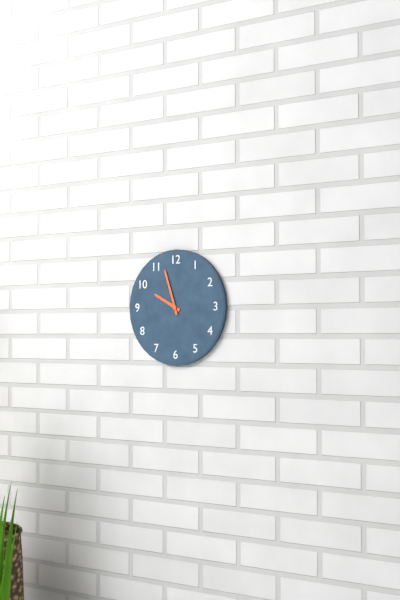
9:57
